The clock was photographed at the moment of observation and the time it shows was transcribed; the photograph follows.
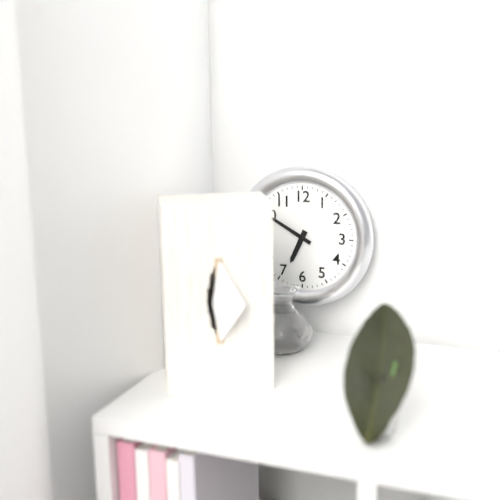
6:50
